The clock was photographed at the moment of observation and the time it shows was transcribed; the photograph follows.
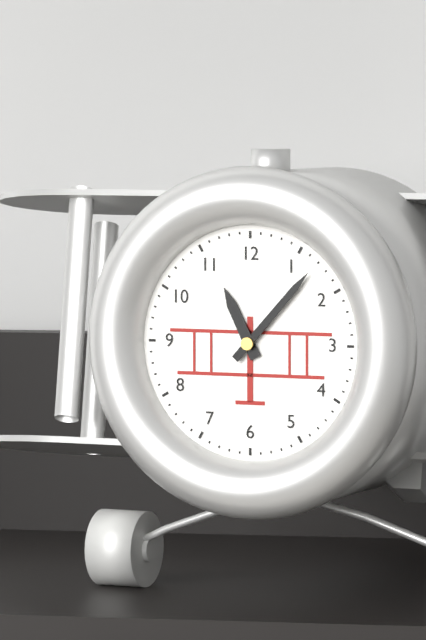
11:07
